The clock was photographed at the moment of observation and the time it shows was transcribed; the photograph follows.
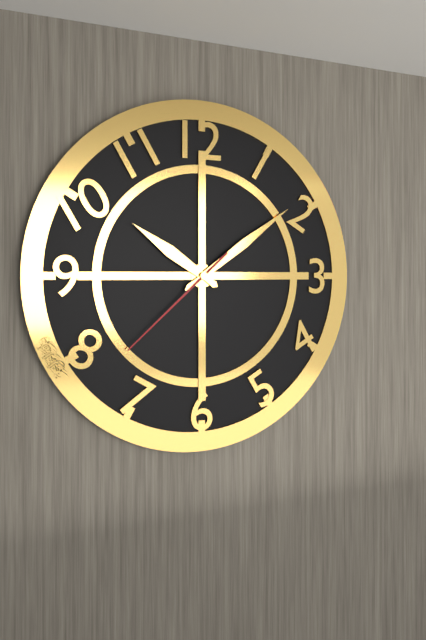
10:09:38
